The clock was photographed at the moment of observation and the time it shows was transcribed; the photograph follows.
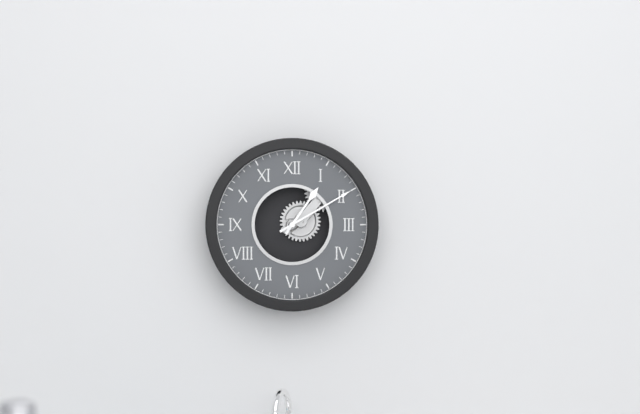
1:10
